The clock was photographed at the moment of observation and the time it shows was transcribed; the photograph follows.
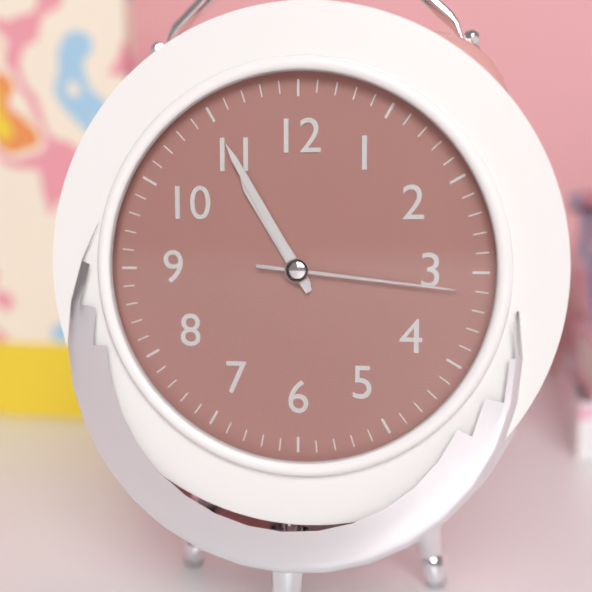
10:55:16
